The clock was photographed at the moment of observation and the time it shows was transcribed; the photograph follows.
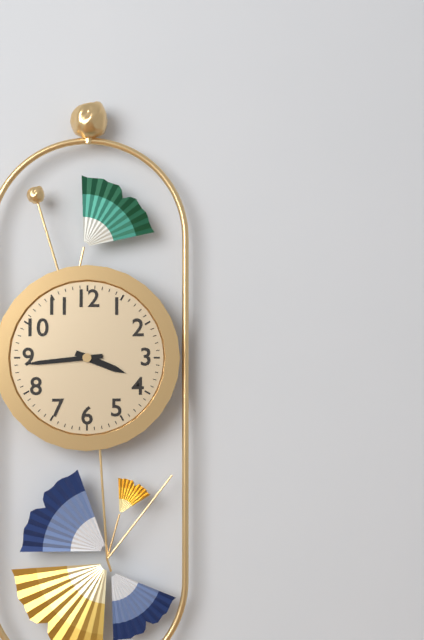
3:44
